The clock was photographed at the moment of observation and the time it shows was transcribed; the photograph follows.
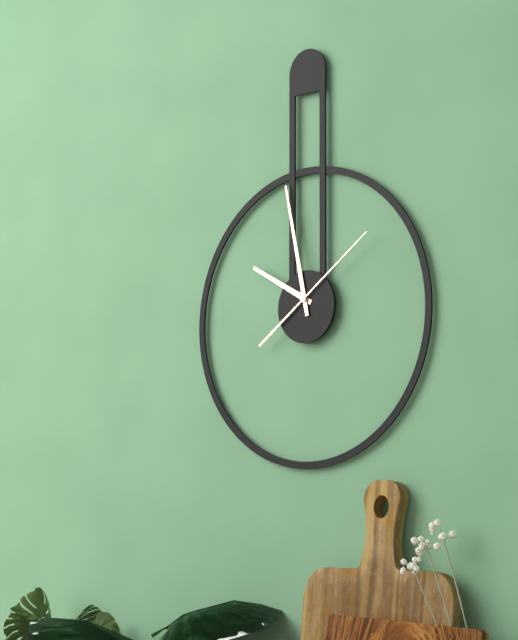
9:58:09
